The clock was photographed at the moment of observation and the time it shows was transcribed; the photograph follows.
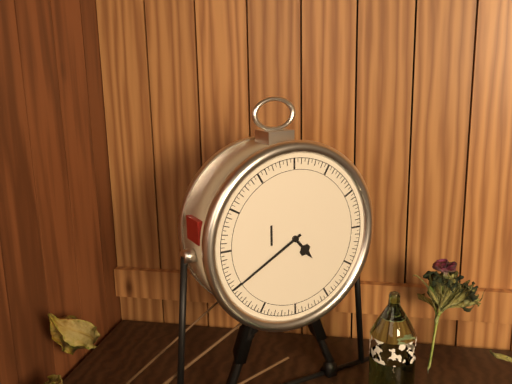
4:40
